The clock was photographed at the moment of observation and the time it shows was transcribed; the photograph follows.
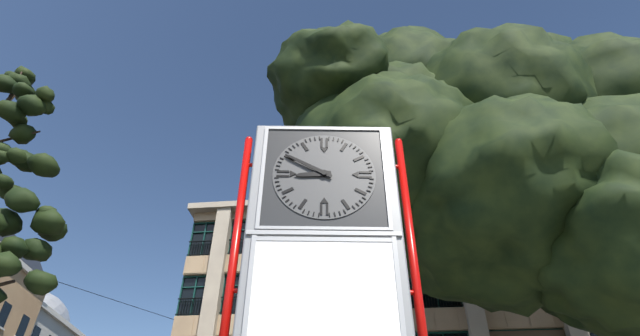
8:50
